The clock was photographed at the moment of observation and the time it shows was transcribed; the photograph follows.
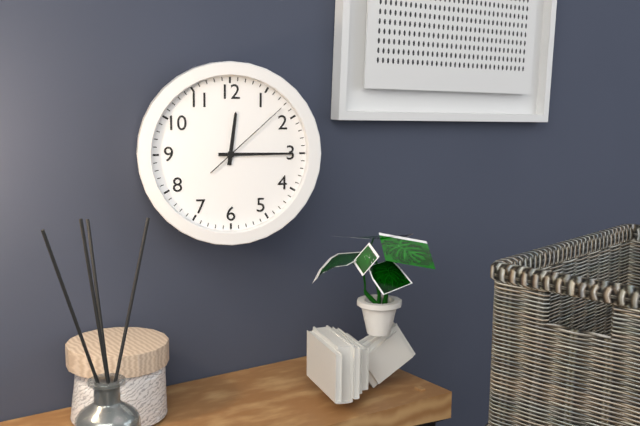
12:15:08
